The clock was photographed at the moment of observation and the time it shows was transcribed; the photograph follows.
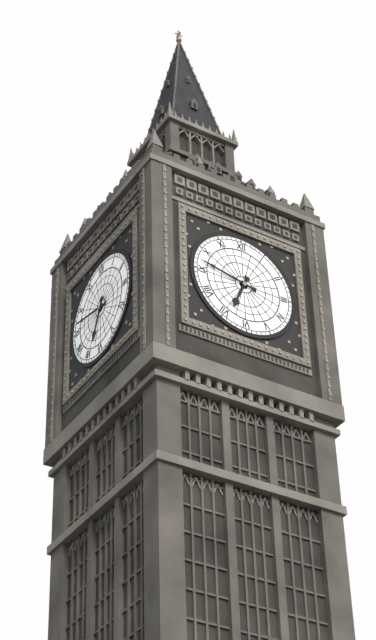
6:47
